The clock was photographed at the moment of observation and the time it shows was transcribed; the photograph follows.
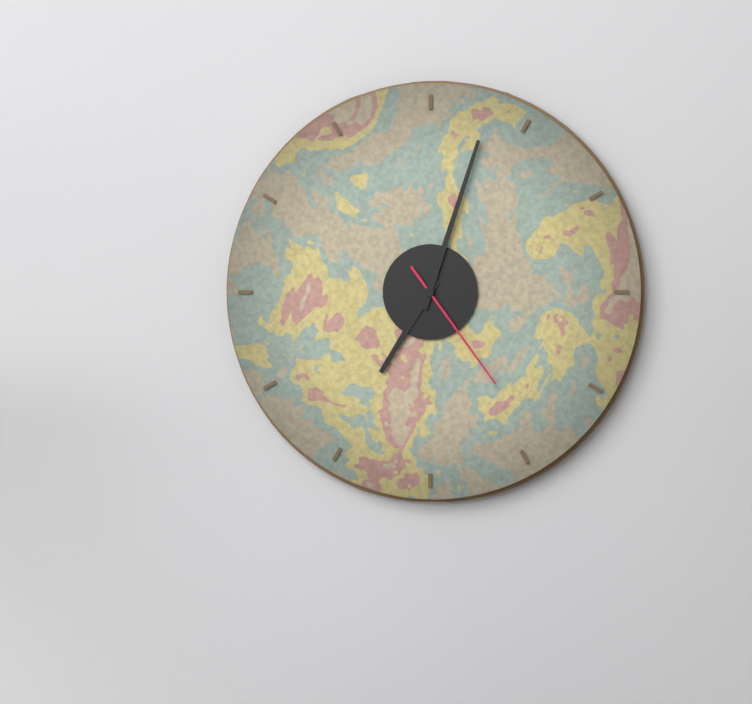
7:03:24
